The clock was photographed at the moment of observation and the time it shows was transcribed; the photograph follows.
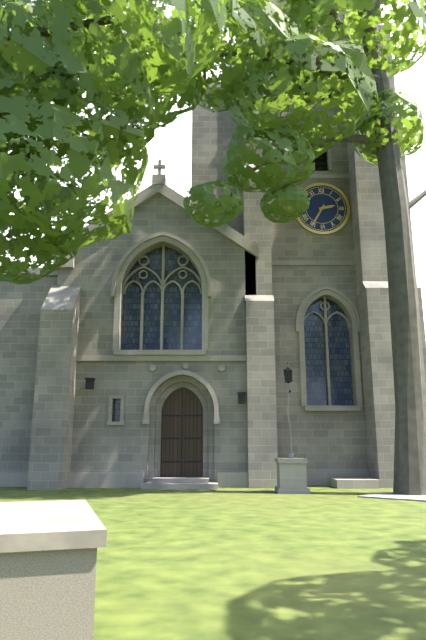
2:35
